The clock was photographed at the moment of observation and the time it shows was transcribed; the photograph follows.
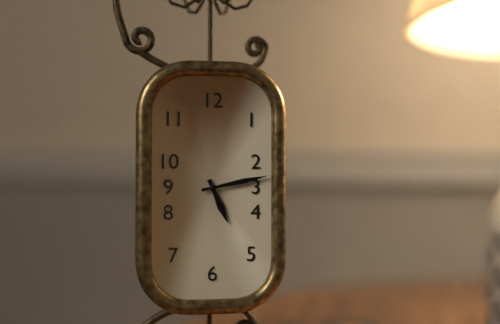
5:13
